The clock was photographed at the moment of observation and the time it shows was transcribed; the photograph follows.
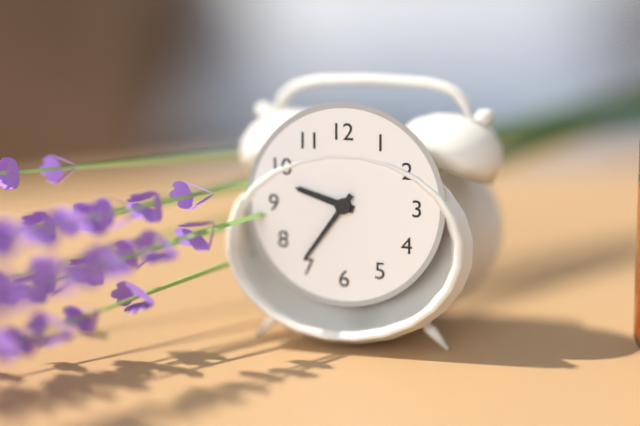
9:36
